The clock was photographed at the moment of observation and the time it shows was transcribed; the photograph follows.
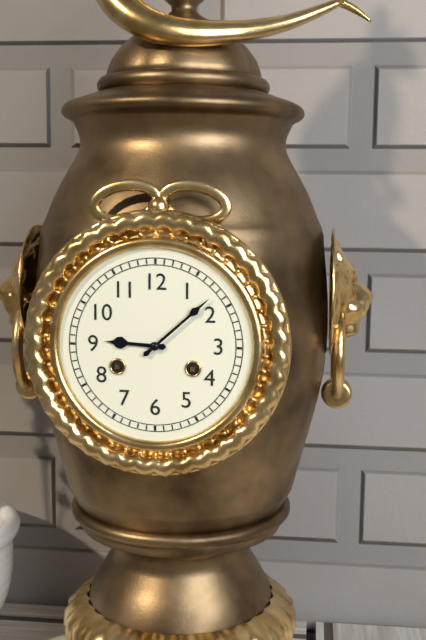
9:08
